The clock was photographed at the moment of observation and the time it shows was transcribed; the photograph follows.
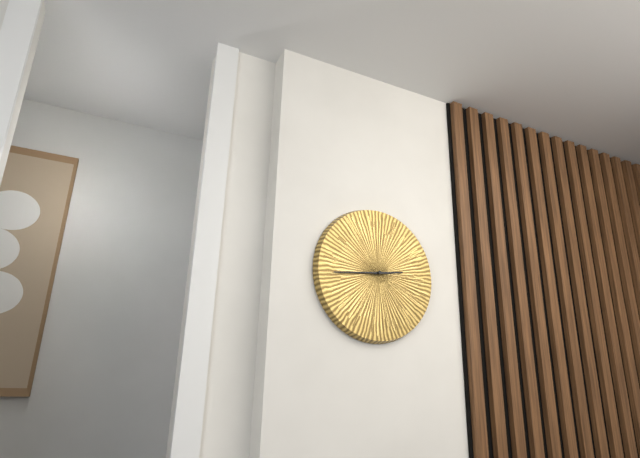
2:44
